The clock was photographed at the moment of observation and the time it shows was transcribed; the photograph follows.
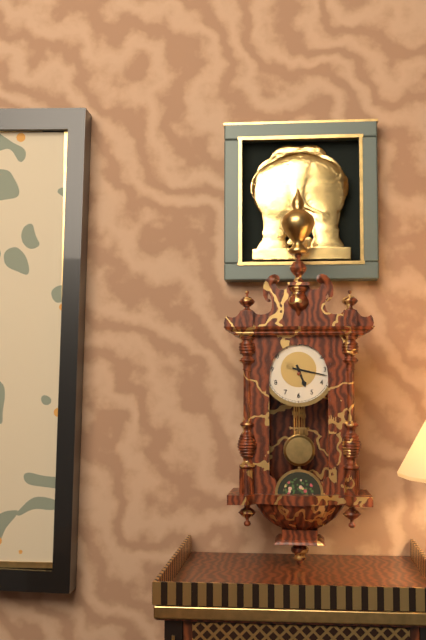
5:17
